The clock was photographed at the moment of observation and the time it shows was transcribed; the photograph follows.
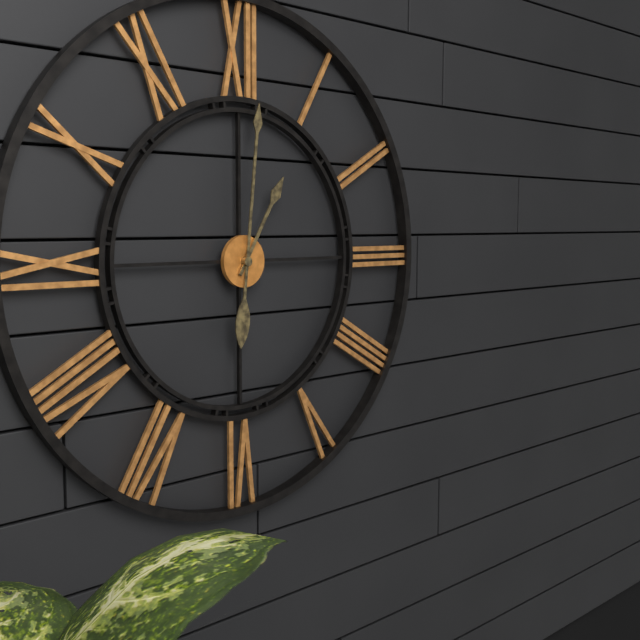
1:01
